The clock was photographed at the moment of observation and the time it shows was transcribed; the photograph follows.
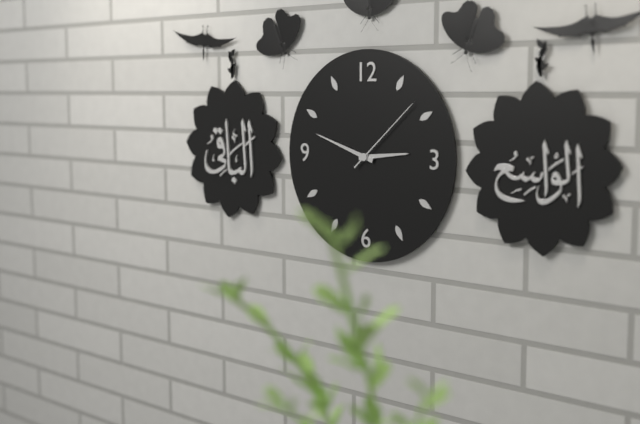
2:48:08
